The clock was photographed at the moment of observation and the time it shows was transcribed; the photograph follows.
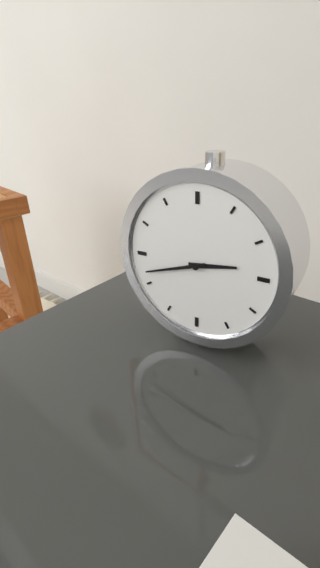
2:42
